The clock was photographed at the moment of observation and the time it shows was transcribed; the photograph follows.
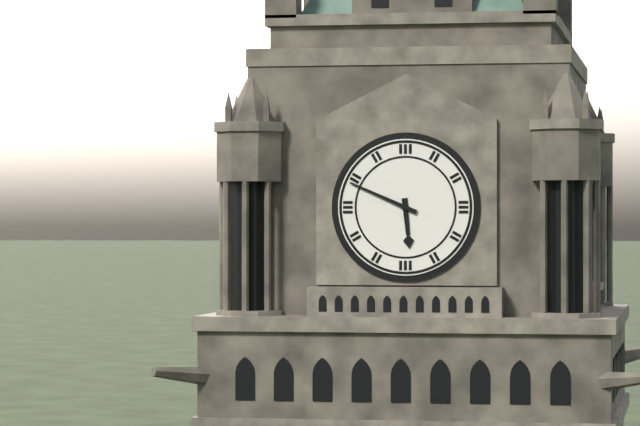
5:49
